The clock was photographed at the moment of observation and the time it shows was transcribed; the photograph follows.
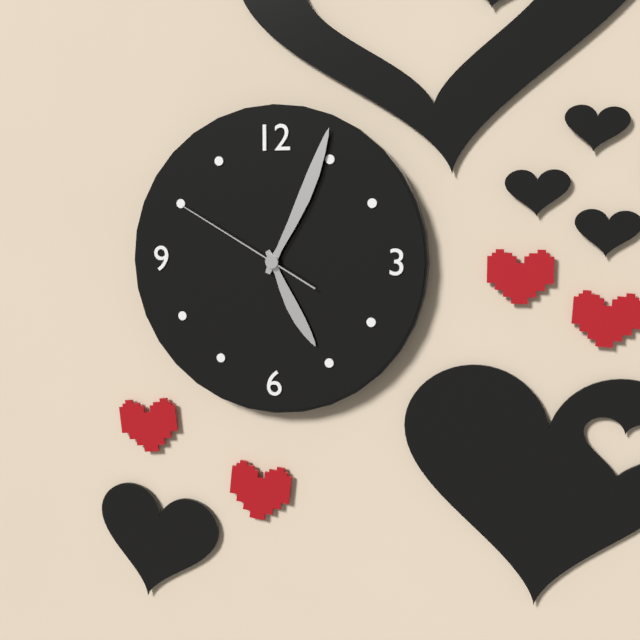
5:04:50
